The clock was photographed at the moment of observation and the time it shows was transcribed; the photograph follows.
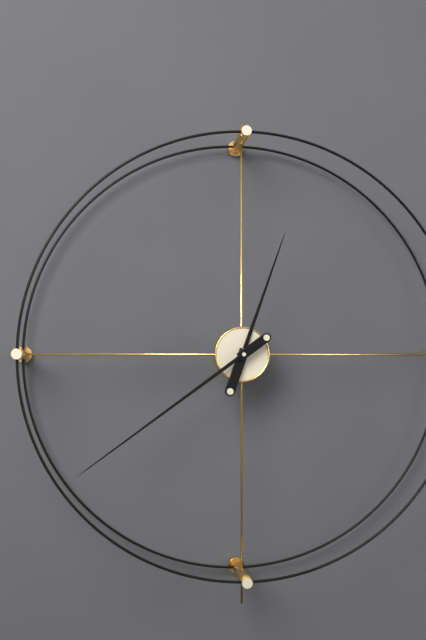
12:39
